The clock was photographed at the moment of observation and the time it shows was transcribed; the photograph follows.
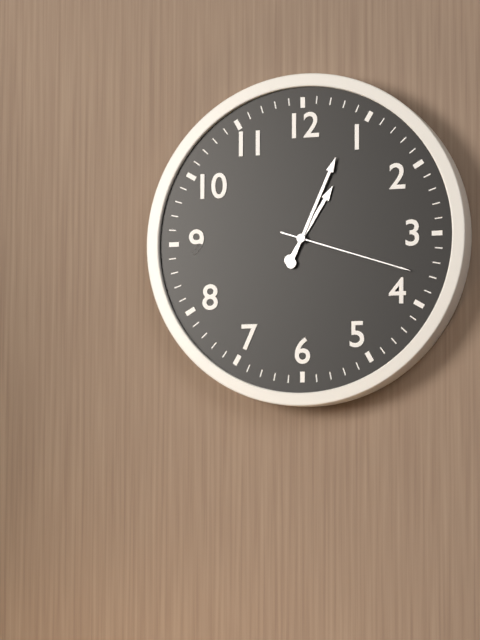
1:04:18
